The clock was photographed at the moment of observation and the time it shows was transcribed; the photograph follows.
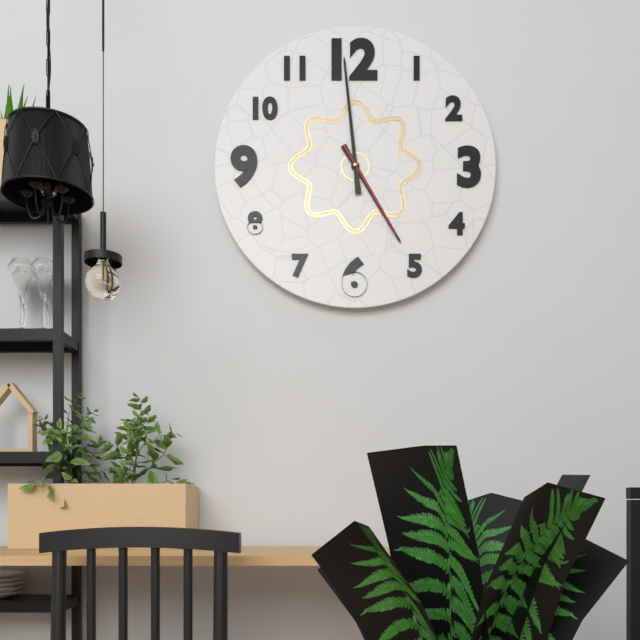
4:59:25
